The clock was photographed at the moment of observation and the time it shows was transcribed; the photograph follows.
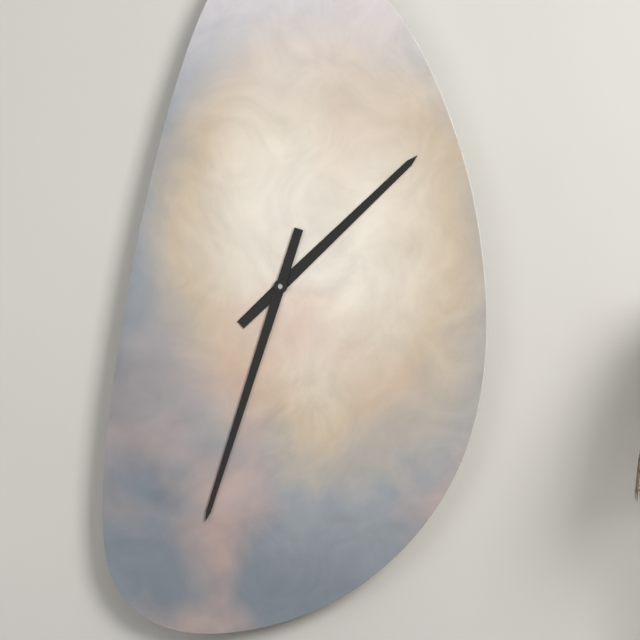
1:33
